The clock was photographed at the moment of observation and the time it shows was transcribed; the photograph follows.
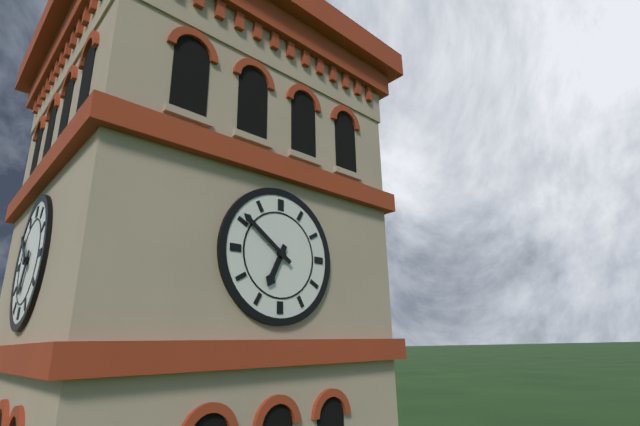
6:51
